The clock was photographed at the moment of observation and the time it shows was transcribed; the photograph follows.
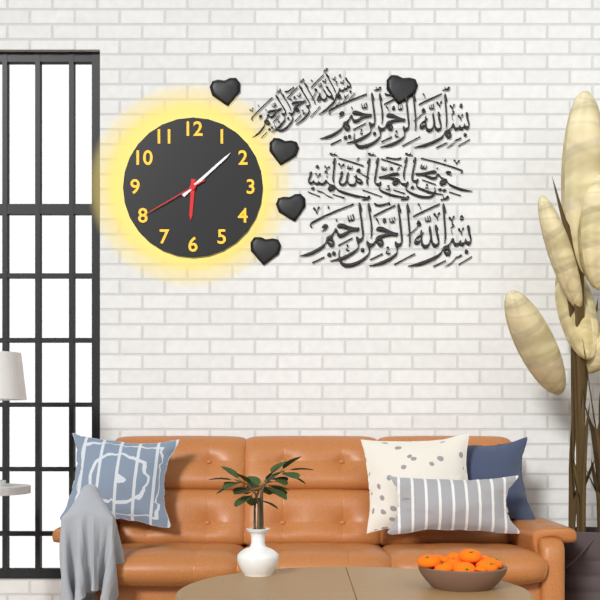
6:08:40
